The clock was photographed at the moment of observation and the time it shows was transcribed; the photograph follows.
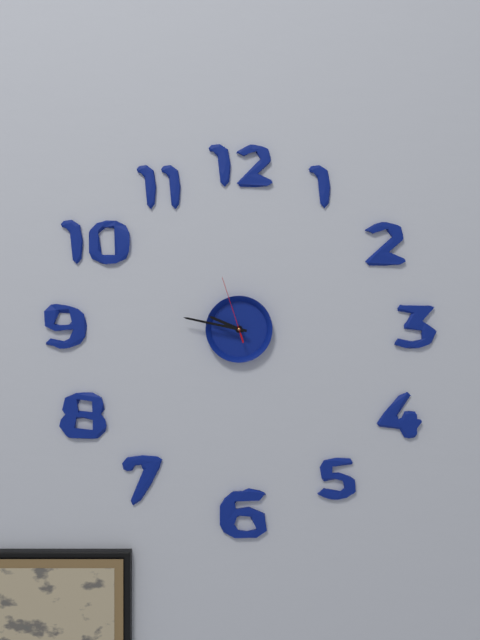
9:47:57
